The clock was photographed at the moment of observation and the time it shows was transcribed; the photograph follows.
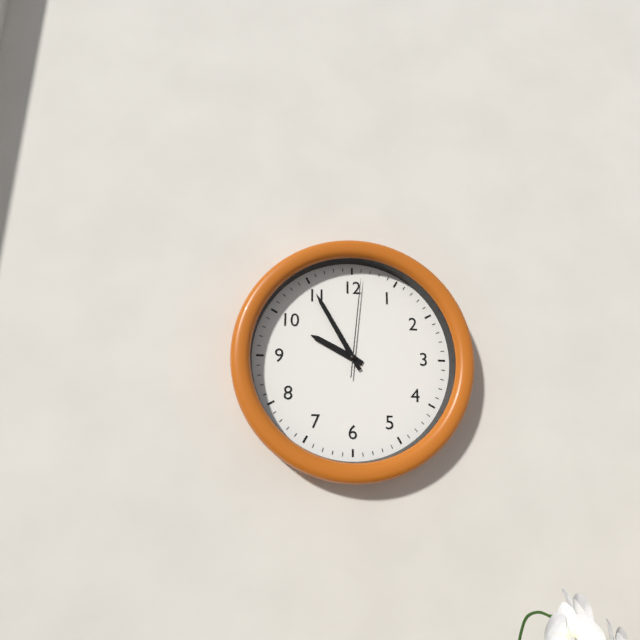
9:55:01
